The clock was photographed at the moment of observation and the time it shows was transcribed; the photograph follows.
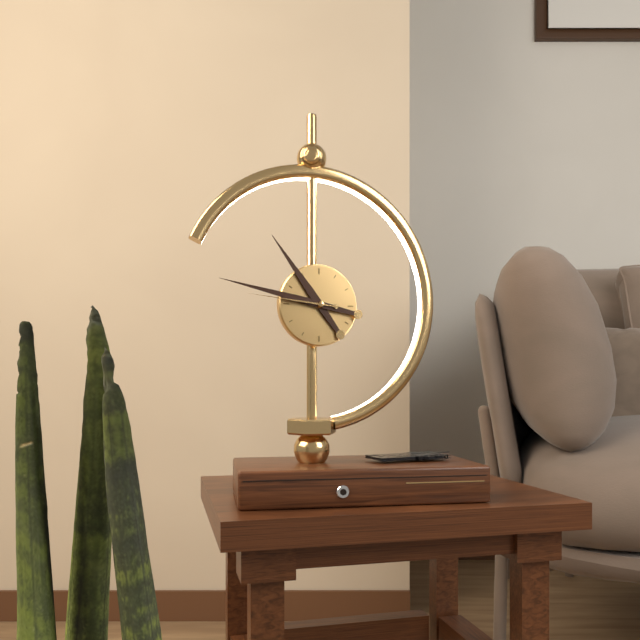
10:47:46
